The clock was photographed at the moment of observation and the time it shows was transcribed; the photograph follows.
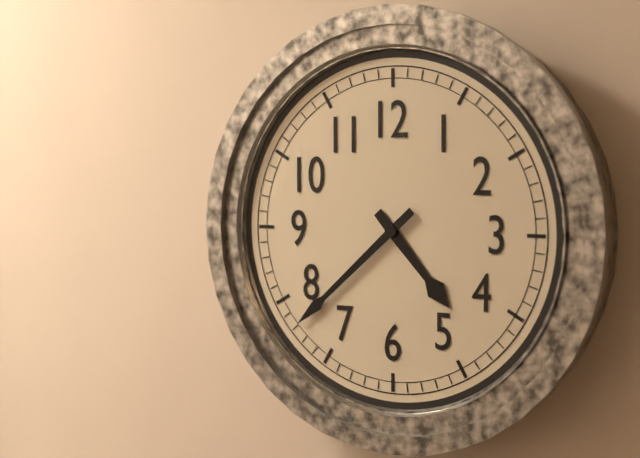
4:38
